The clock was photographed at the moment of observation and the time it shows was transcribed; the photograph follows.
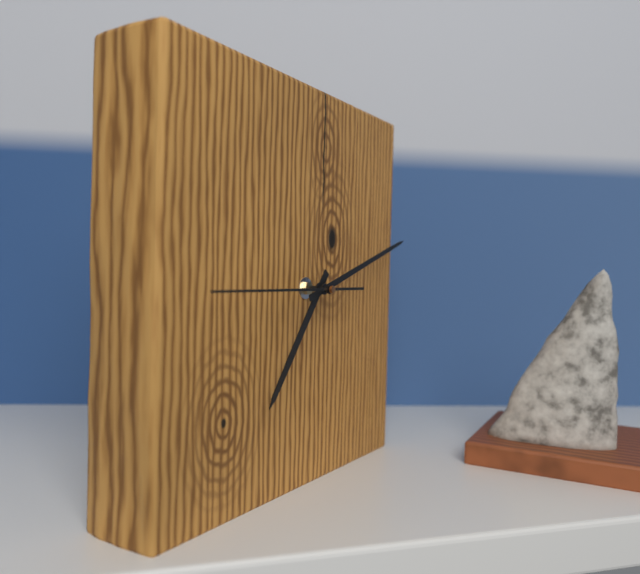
7:12:45
